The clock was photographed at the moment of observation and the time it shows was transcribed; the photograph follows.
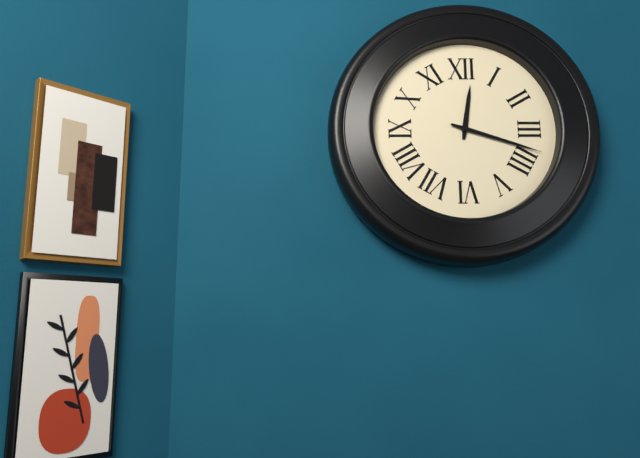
12:18
